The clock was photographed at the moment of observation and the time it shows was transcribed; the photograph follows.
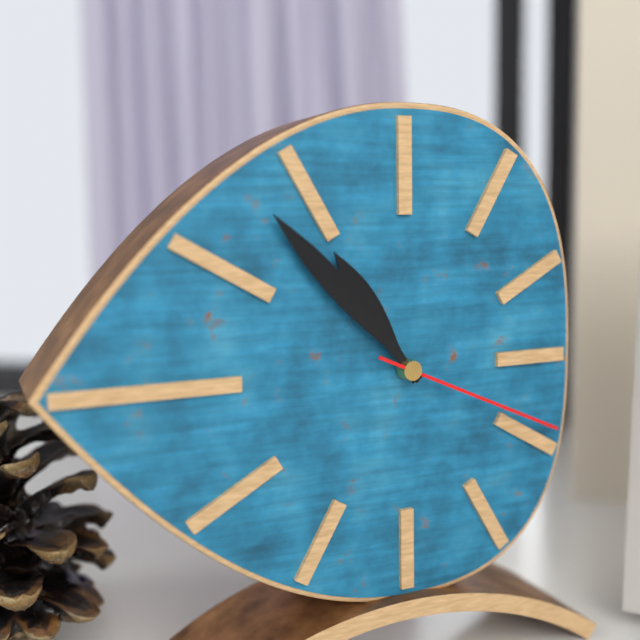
10:53:19
